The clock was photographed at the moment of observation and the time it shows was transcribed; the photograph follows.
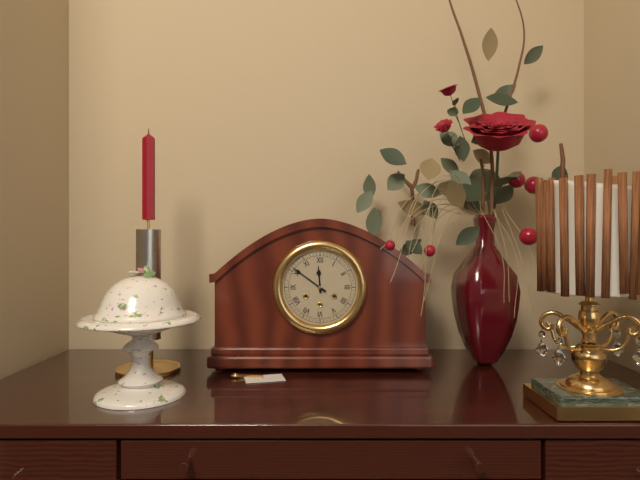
11:51
